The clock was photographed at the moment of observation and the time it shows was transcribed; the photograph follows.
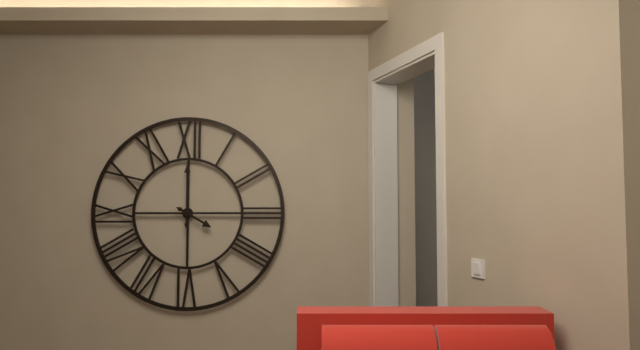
4:00
